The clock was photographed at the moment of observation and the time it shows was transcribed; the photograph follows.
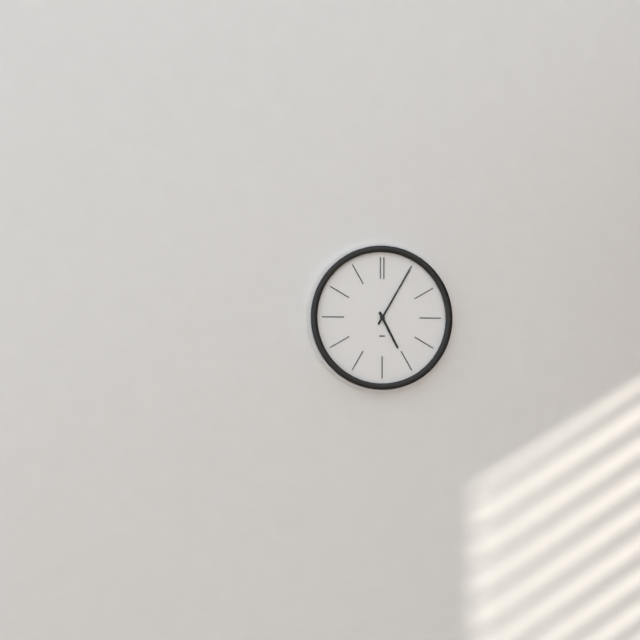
5:05
